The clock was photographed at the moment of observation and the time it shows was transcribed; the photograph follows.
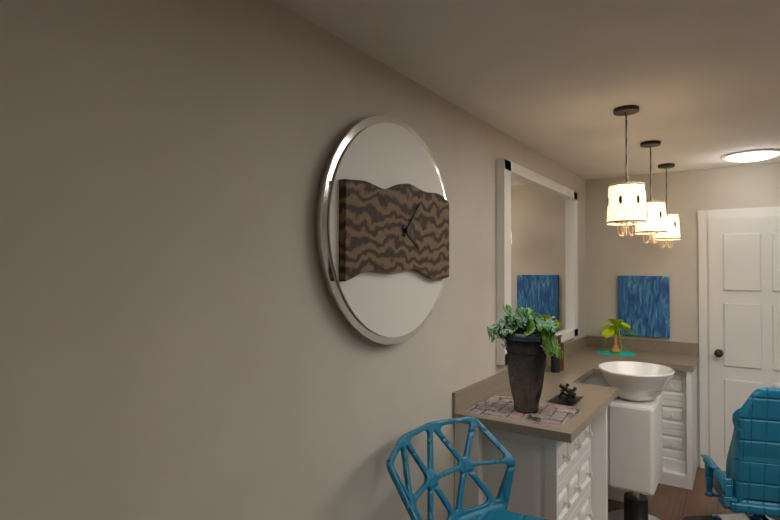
4:07
